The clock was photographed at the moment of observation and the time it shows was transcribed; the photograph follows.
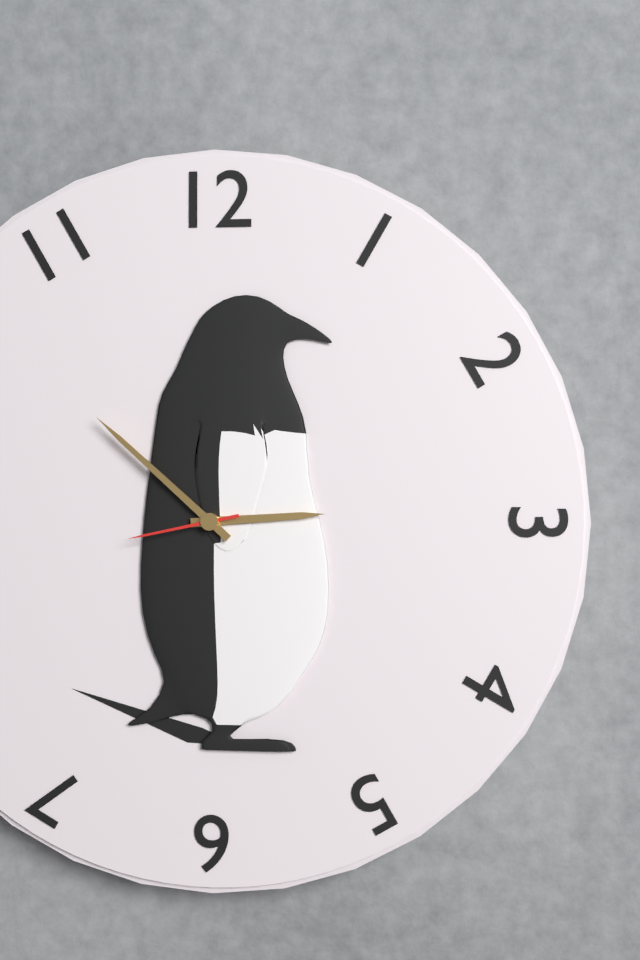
2:52:43
